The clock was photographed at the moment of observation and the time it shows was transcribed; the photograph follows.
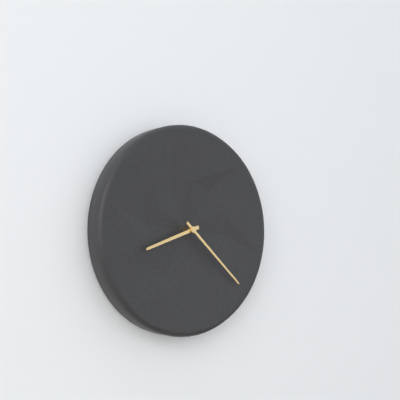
8:22
